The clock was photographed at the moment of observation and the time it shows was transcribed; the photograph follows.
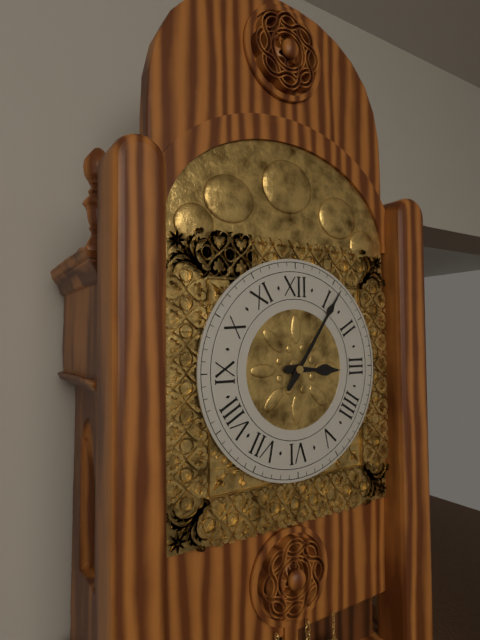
3:06
